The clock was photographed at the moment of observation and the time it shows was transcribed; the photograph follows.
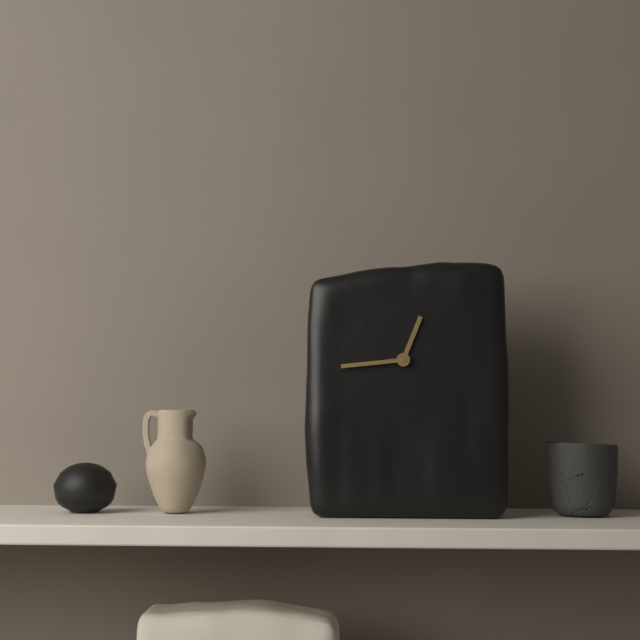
12:44
